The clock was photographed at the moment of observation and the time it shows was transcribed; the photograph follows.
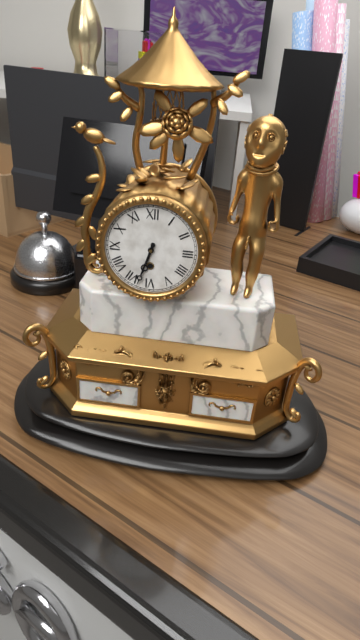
6:33
